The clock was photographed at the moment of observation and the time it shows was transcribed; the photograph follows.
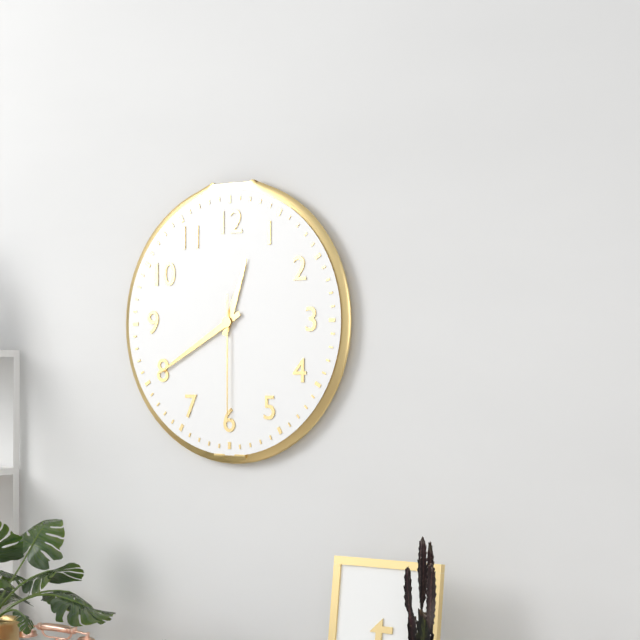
12:40:30
